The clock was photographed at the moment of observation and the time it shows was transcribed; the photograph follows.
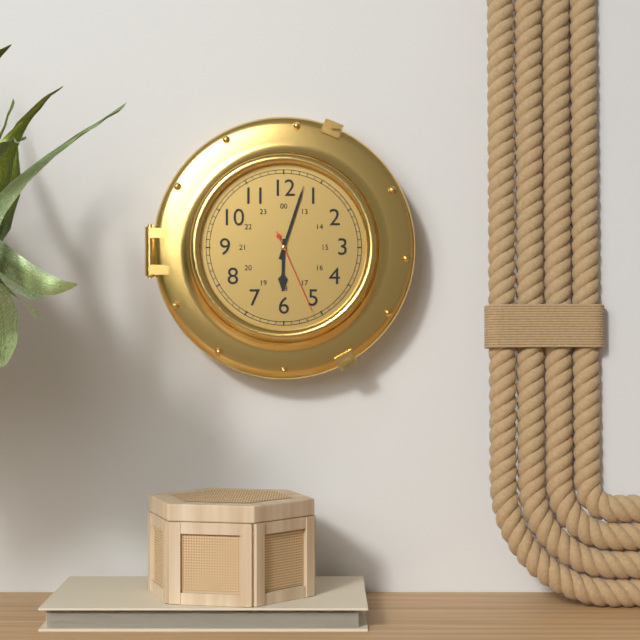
6:03:26
